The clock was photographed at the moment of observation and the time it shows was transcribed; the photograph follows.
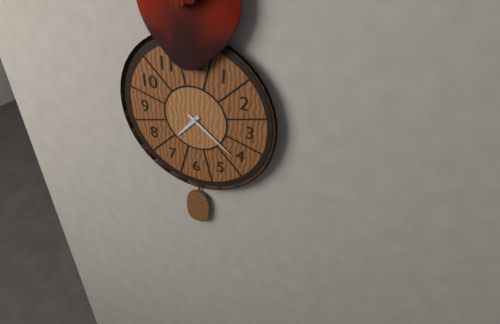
7:21
